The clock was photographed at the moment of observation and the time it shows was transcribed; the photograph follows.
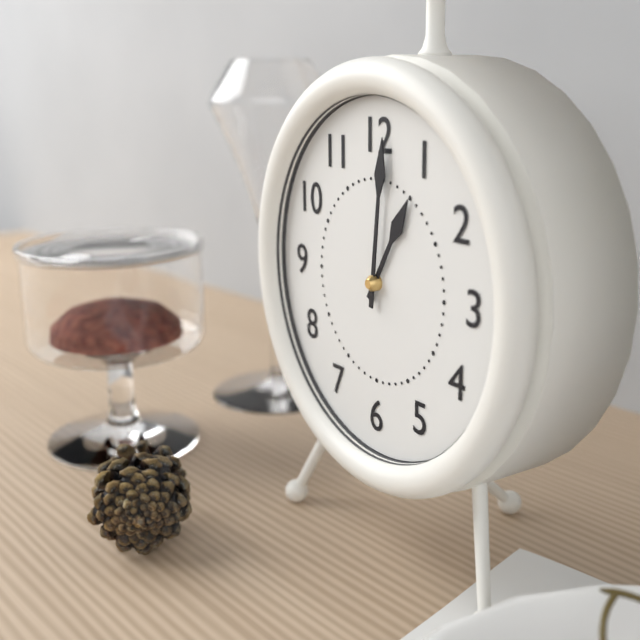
1:01
